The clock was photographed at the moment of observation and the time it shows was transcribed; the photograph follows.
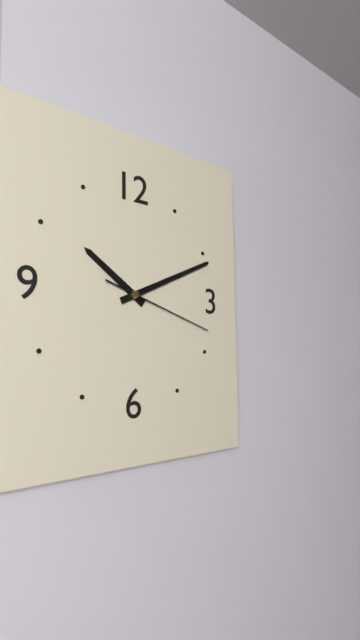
10:11:18
